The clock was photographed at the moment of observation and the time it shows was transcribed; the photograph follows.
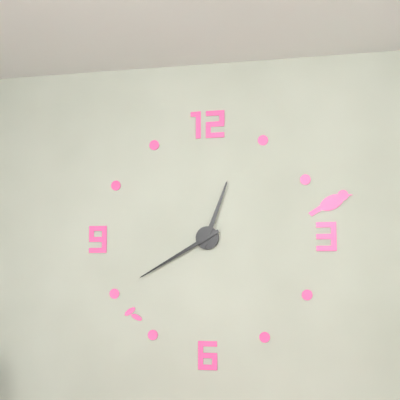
12:40
